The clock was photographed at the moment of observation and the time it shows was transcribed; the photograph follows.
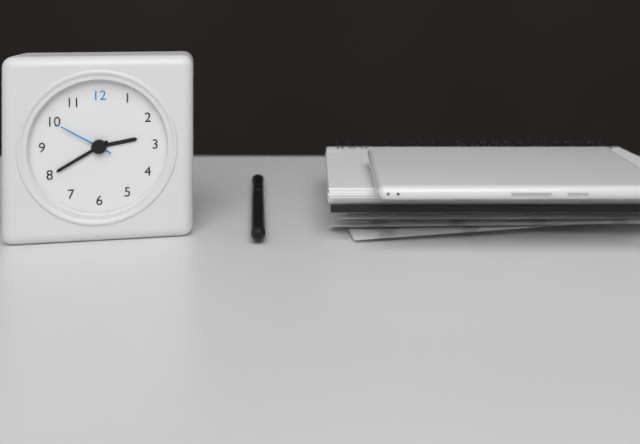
2:40:50
